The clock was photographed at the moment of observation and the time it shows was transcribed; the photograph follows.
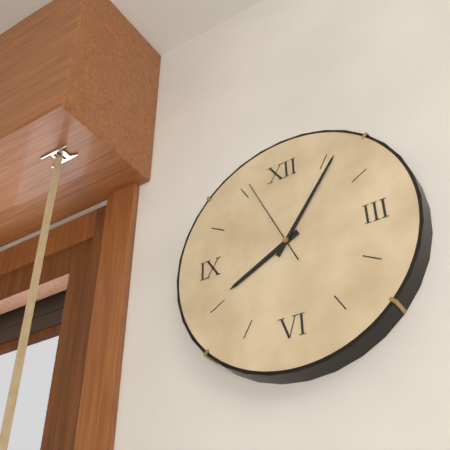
8:06:56
